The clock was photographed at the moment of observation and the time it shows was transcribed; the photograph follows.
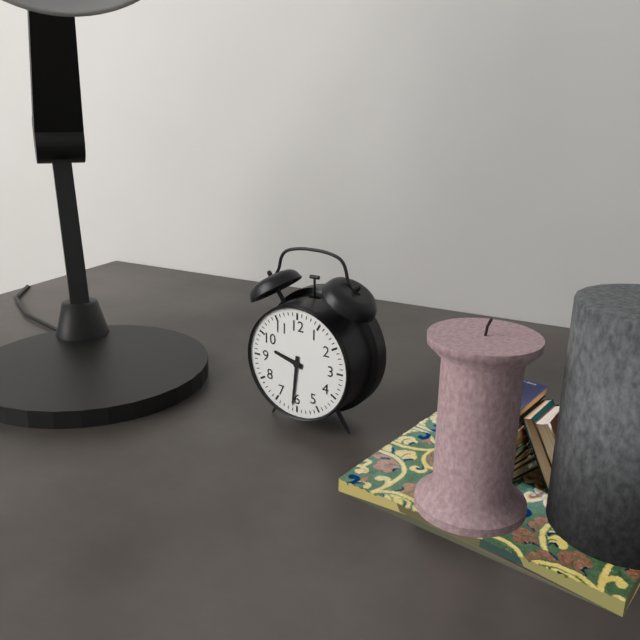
9:31
